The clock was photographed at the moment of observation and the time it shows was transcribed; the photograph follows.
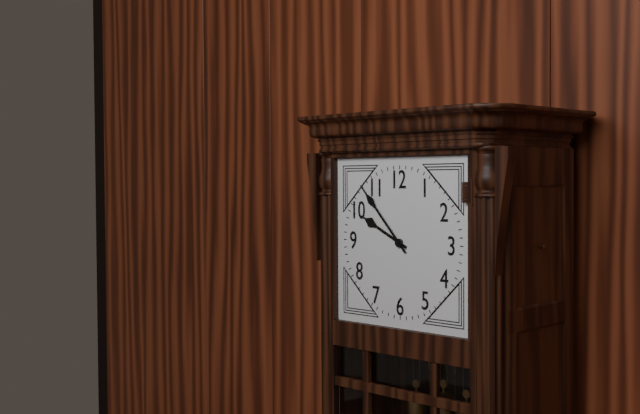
9:53
